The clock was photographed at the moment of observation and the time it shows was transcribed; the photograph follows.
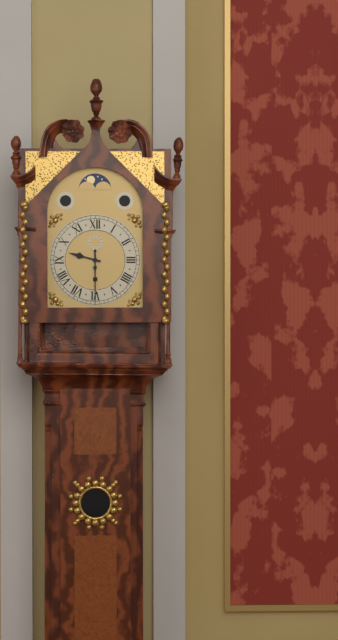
9:30
